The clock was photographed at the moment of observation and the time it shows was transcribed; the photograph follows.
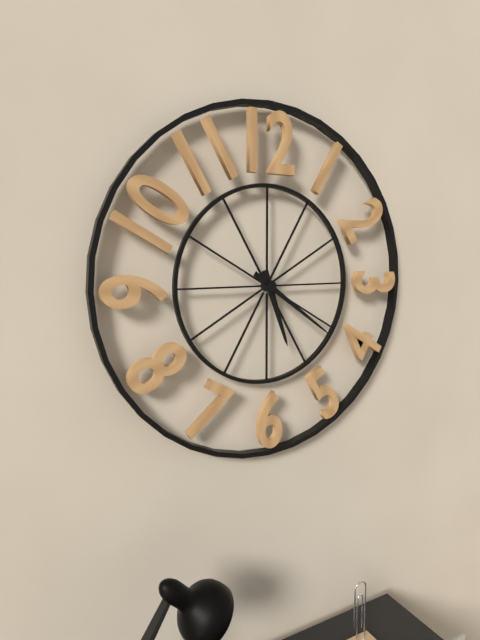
5:21
